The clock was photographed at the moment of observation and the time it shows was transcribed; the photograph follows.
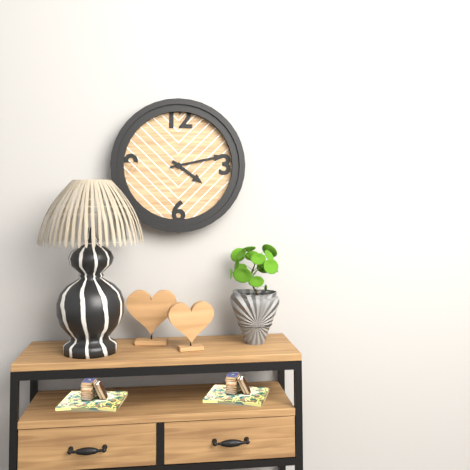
4:13
